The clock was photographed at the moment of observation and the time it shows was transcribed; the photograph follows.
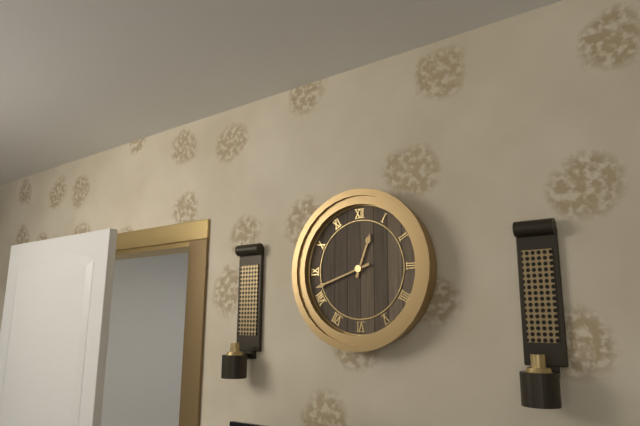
12:42
